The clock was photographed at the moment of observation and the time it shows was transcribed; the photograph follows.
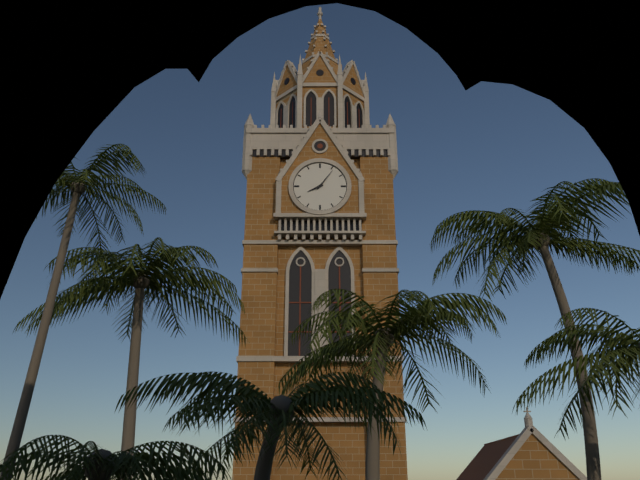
8:06
